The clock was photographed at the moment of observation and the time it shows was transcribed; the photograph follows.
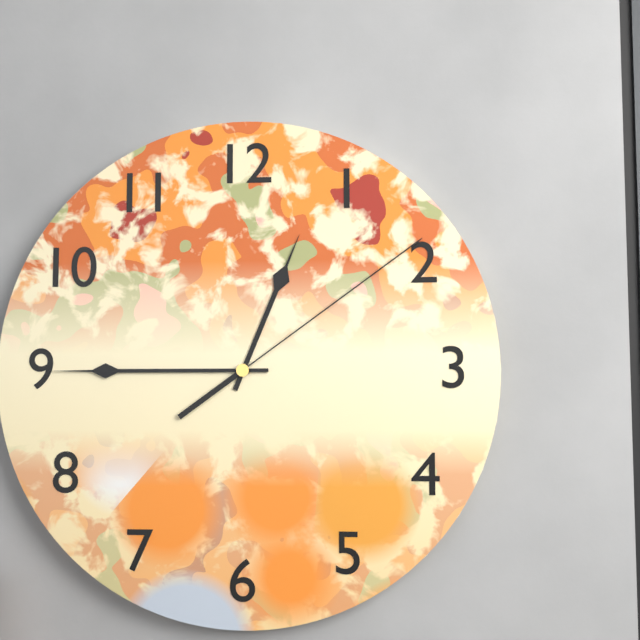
12:45:09
